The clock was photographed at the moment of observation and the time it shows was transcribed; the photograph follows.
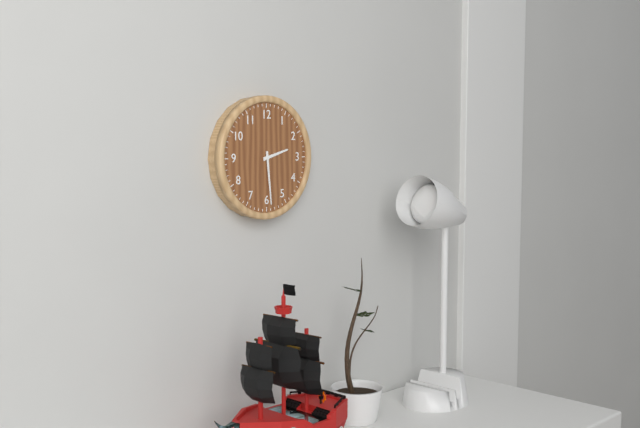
2:29
